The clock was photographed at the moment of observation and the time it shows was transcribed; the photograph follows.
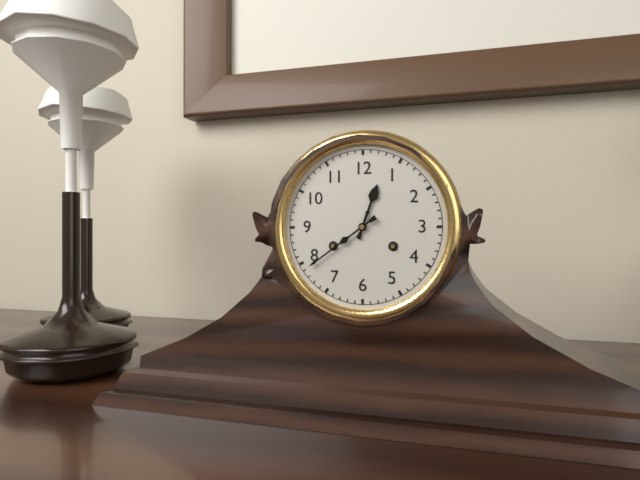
12:39
